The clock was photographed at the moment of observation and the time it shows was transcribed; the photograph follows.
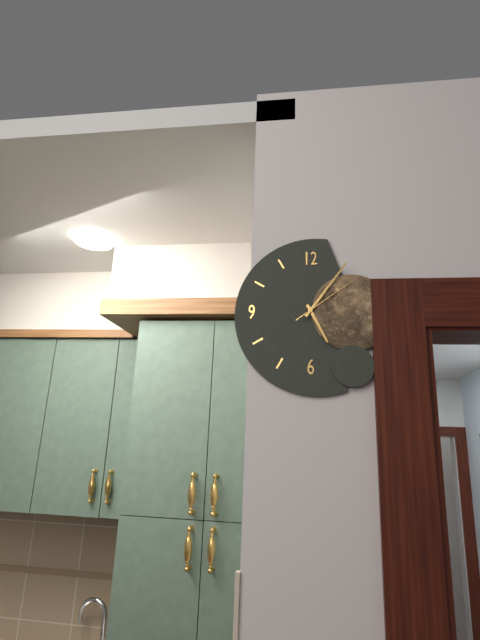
5:06:09
